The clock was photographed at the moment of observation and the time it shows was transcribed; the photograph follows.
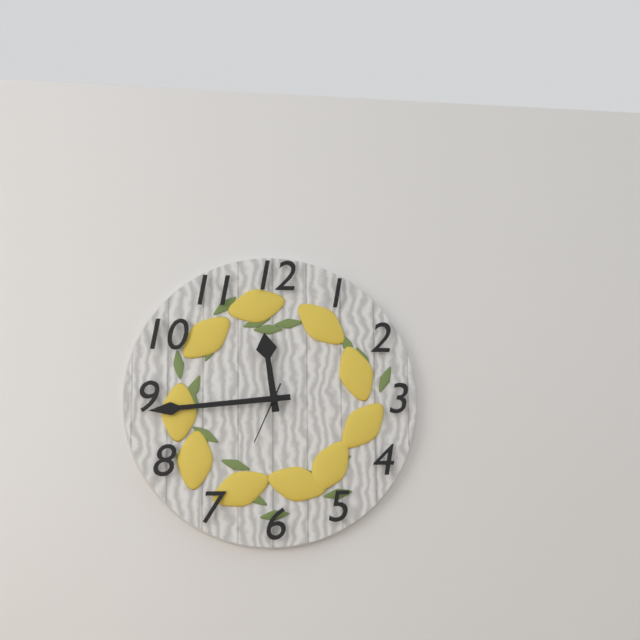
11:44:34
